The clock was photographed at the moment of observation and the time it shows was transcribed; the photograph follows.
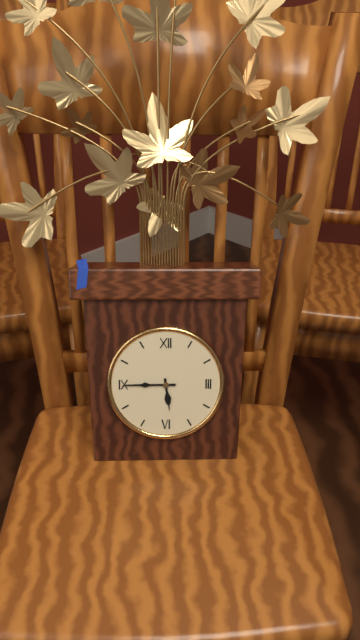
5:45
